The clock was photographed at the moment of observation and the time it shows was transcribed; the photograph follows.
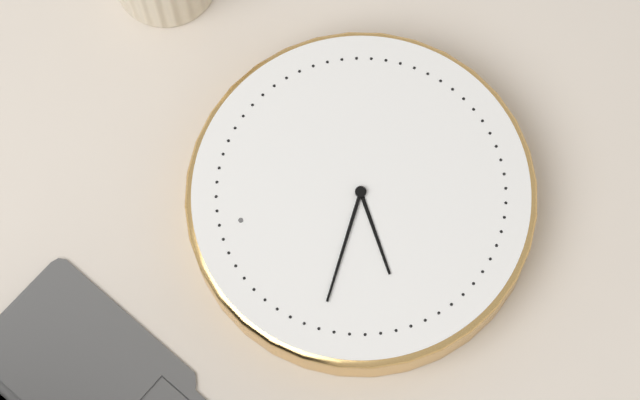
8:50
